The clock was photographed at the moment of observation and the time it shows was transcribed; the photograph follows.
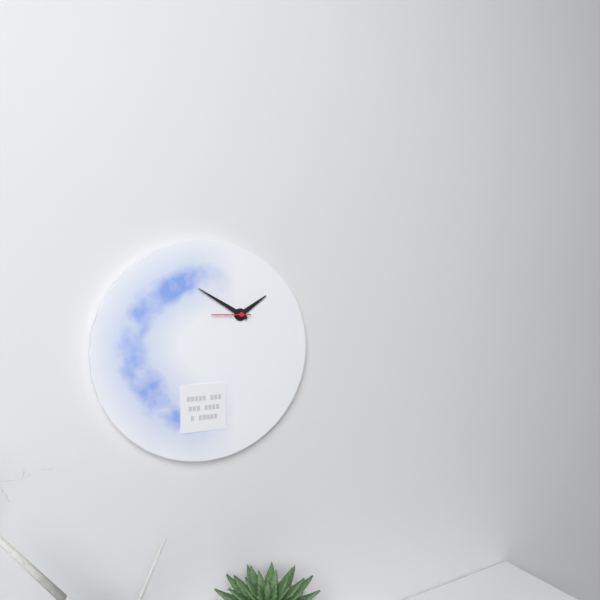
1:50
